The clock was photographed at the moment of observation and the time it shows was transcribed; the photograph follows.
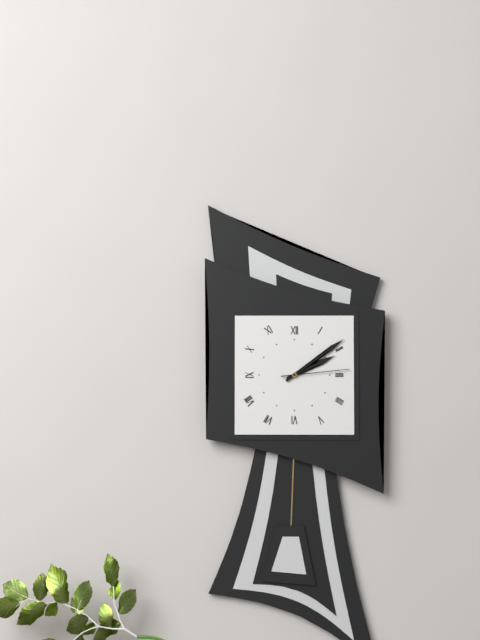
2:09:14
